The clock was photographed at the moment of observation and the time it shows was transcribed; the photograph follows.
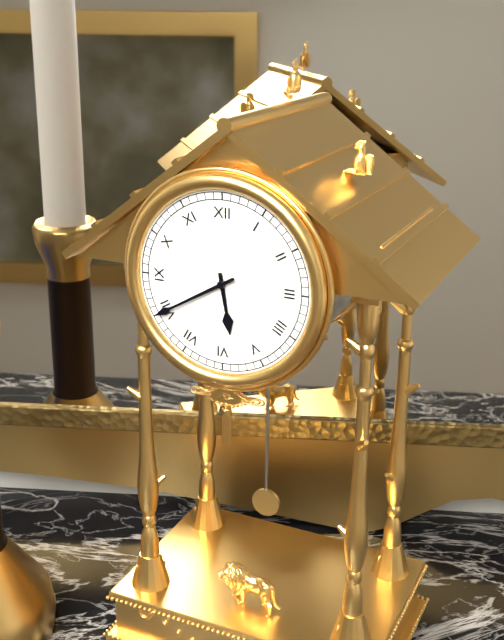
5:40
